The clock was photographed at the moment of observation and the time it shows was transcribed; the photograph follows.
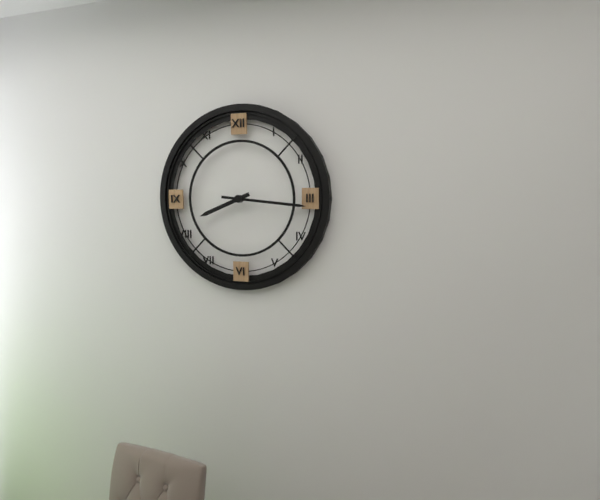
8:16
